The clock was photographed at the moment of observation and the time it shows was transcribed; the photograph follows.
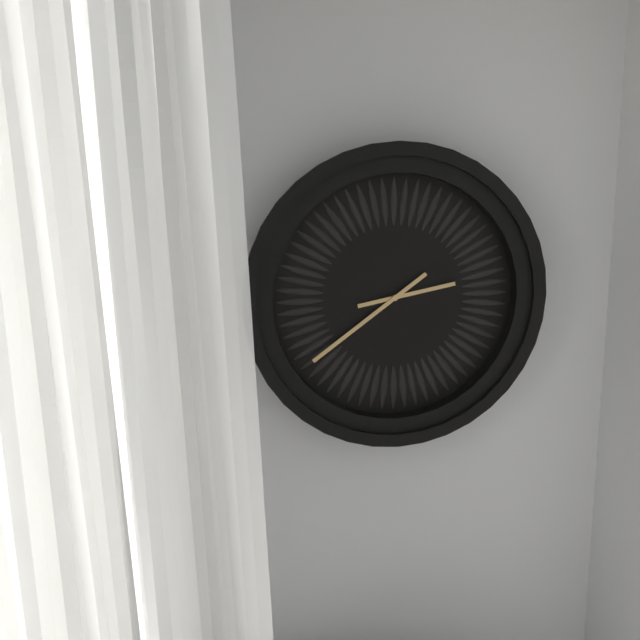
2:39
